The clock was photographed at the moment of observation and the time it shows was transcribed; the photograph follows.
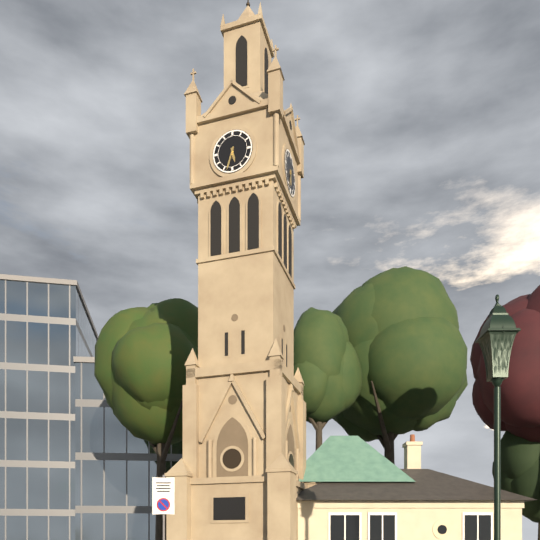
5:33
